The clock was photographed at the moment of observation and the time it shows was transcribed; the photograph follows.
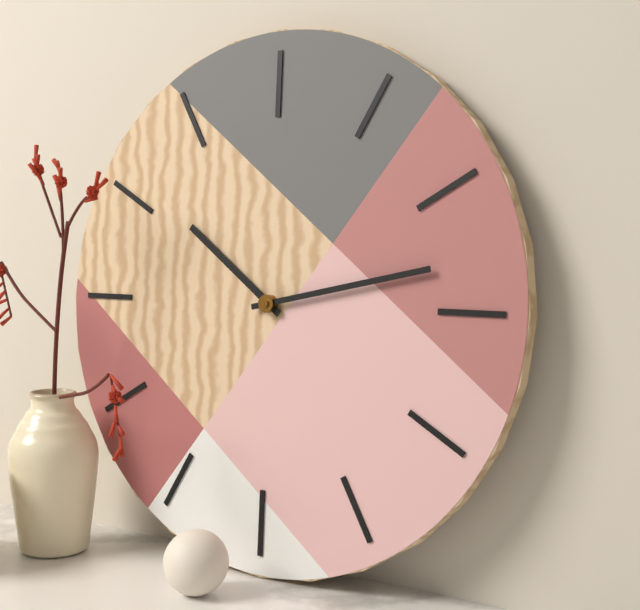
10:13
